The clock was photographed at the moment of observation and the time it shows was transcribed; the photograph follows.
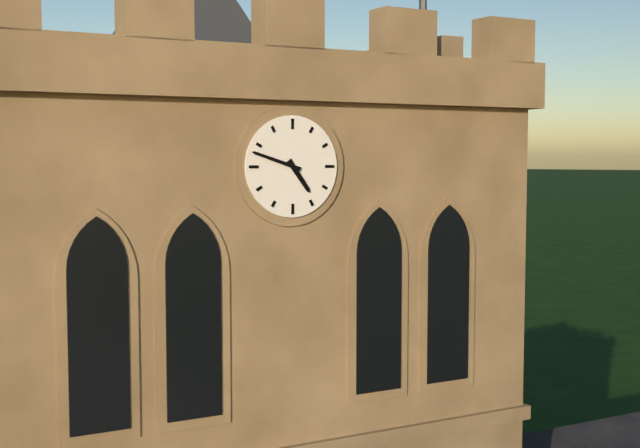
4:48
